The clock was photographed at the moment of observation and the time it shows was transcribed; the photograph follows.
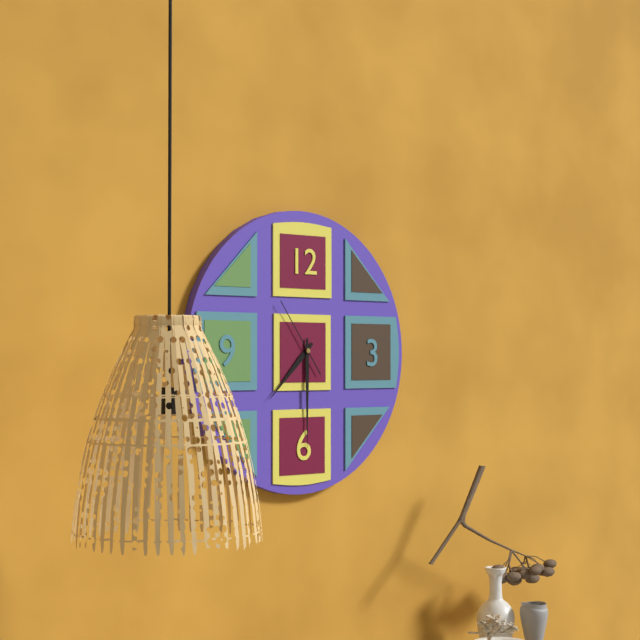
7:30:54
